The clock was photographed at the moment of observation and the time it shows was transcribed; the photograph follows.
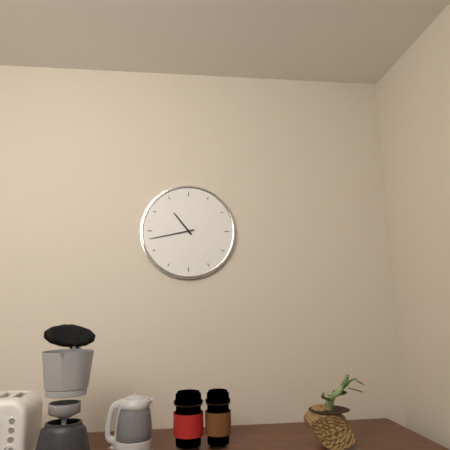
10:43
